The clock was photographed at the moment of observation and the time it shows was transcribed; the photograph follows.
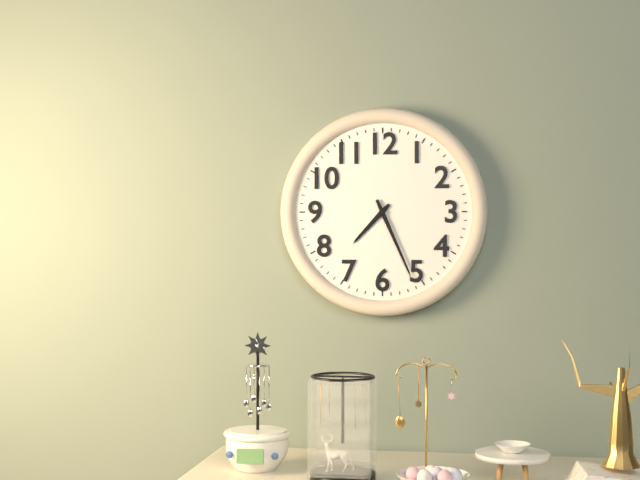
7:26
